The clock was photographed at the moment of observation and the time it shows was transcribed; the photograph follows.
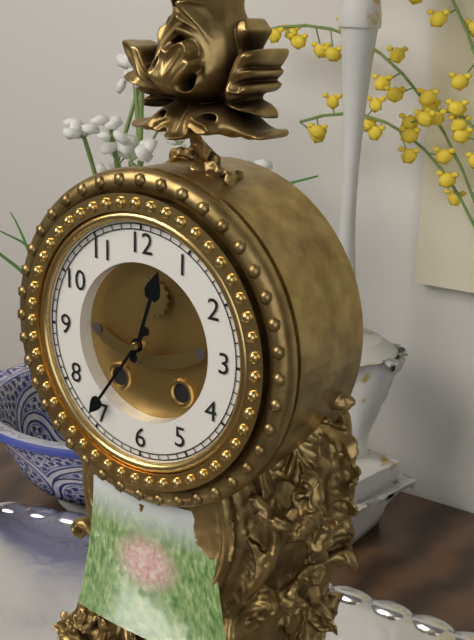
12:36
